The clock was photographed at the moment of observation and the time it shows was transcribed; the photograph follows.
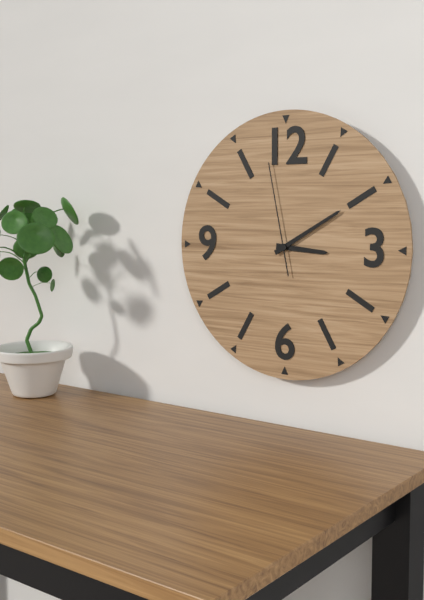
3:10:58
